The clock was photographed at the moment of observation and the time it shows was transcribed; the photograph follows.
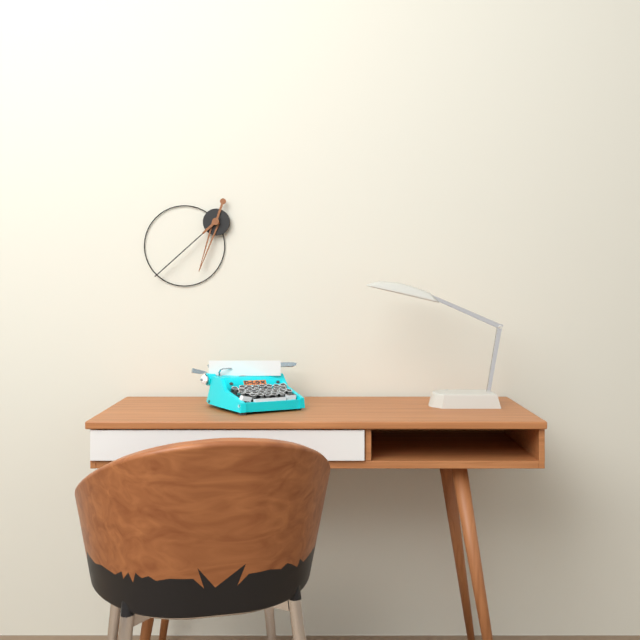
6:38
